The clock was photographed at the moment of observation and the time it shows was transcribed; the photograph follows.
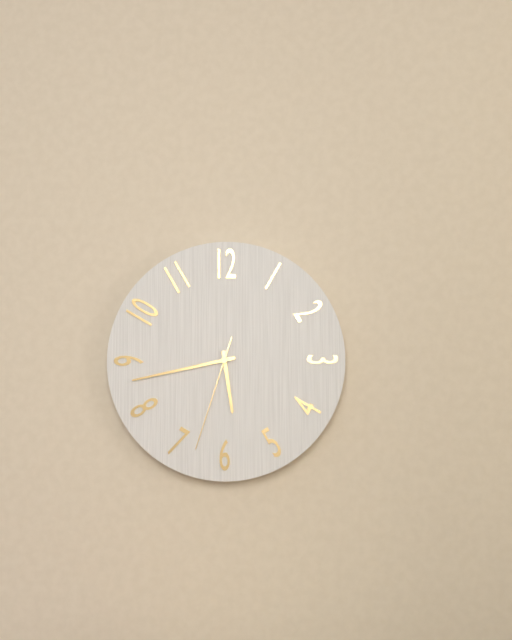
5:43:33
